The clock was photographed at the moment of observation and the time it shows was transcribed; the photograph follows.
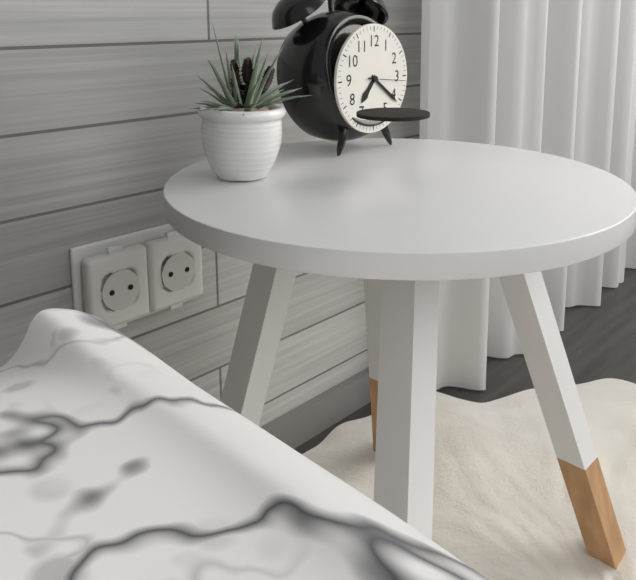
7:21
